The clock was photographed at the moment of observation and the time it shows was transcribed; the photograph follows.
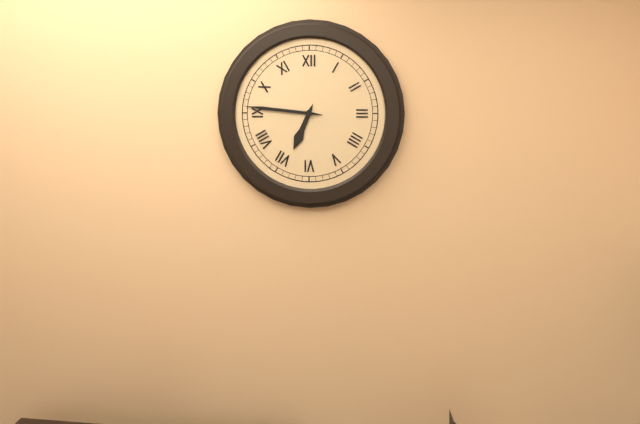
6:46
